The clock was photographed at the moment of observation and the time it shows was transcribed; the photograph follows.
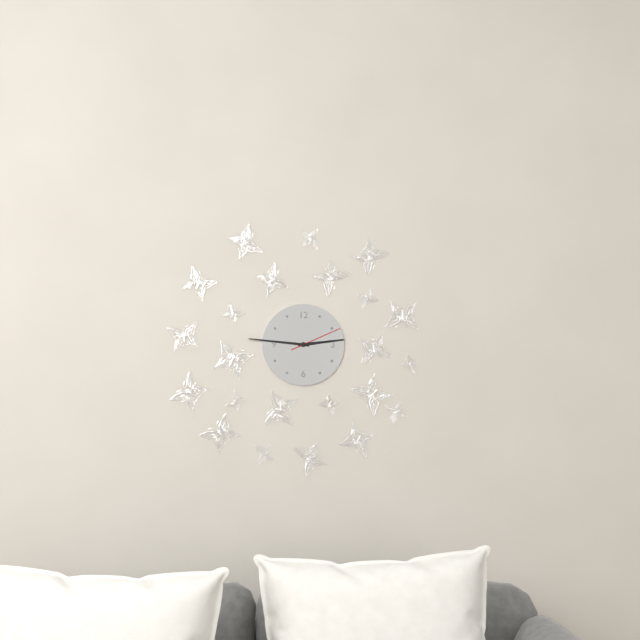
2:46:11
